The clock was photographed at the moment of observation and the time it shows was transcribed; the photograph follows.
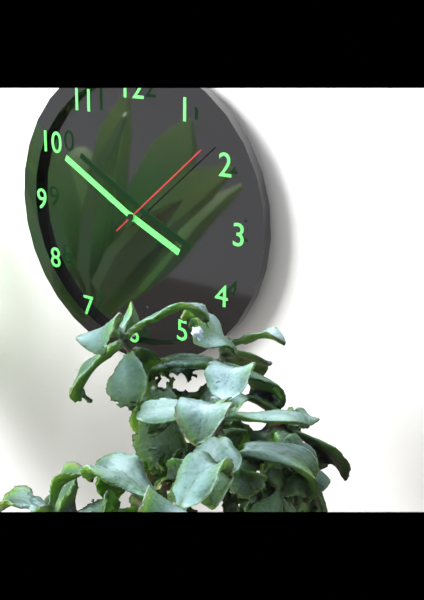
3:50:08
